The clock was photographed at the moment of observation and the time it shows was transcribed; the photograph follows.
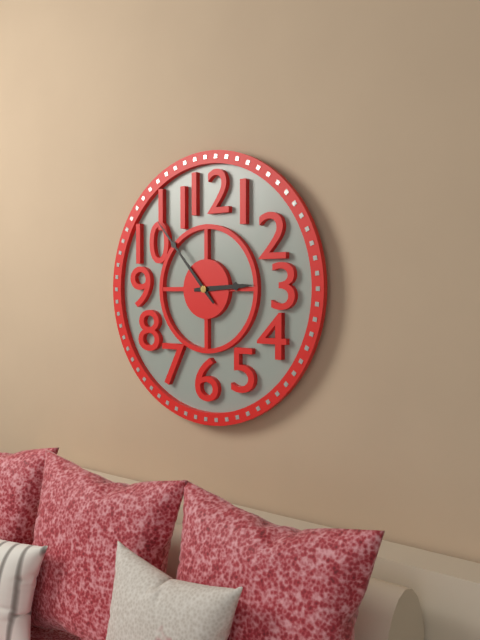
2:53
